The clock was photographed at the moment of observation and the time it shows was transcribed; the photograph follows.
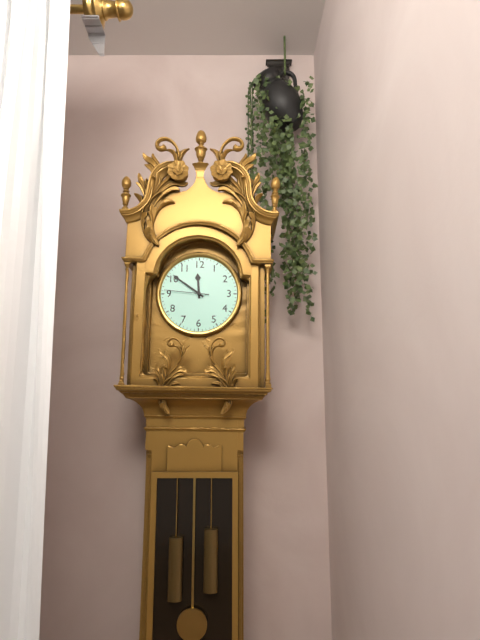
11:51
